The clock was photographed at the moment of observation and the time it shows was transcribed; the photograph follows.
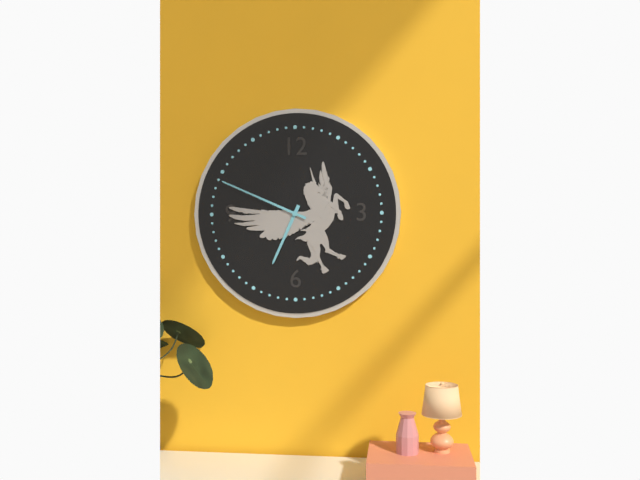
6:49
